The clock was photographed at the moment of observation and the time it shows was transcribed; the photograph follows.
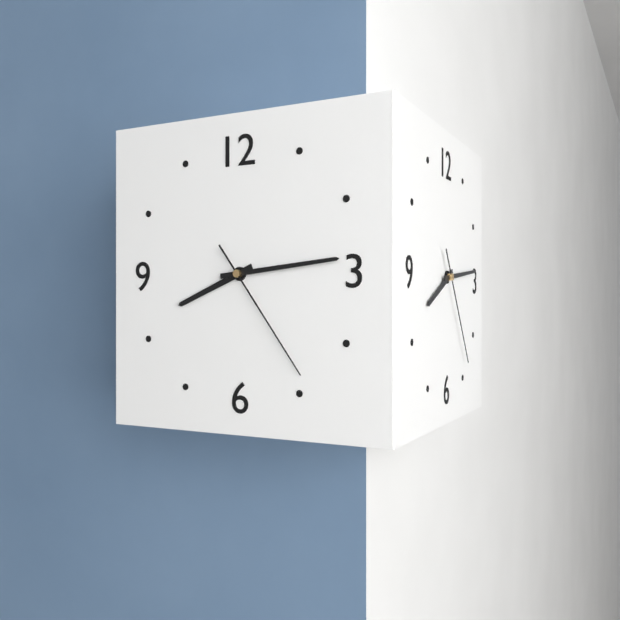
8:14:24
